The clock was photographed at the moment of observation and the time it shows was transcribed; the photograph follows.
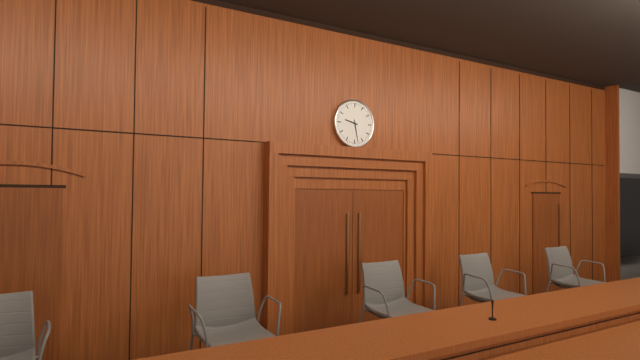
9:28
